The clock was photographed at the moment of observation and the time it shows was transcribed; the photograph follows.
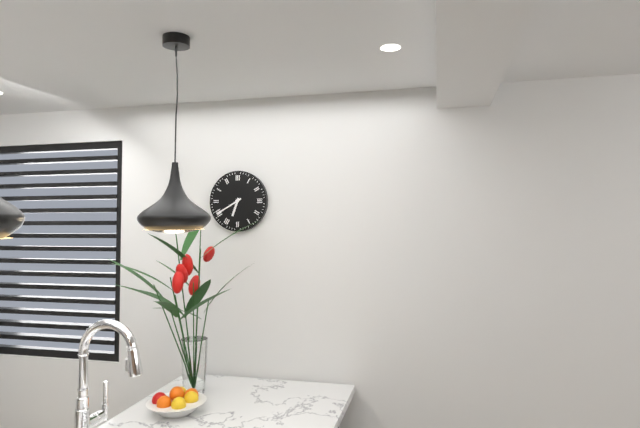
6:40
